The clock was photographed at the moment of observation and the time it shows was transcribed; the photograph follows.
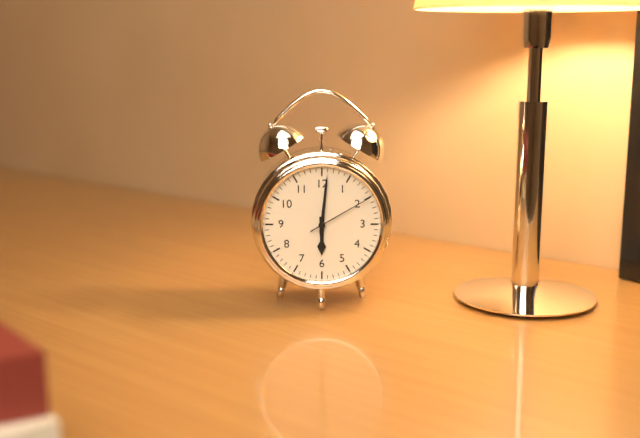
6:01:10
